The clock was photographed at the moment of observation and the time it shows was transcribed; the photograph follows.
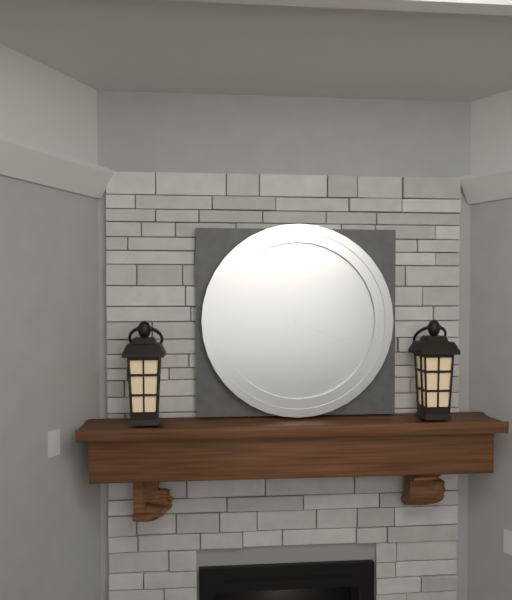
6:19
